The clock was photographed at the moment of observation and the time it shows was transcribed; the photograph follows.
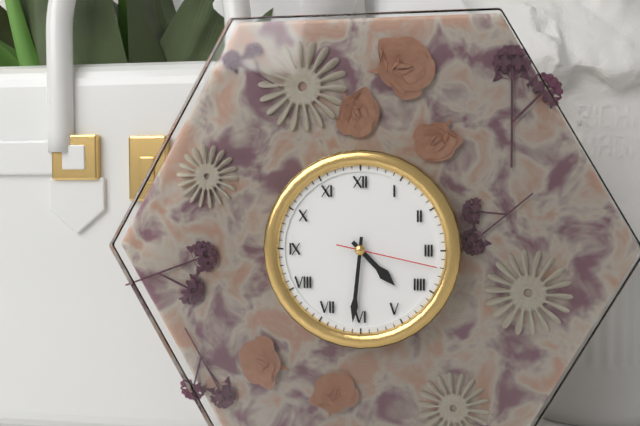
4:31:17
